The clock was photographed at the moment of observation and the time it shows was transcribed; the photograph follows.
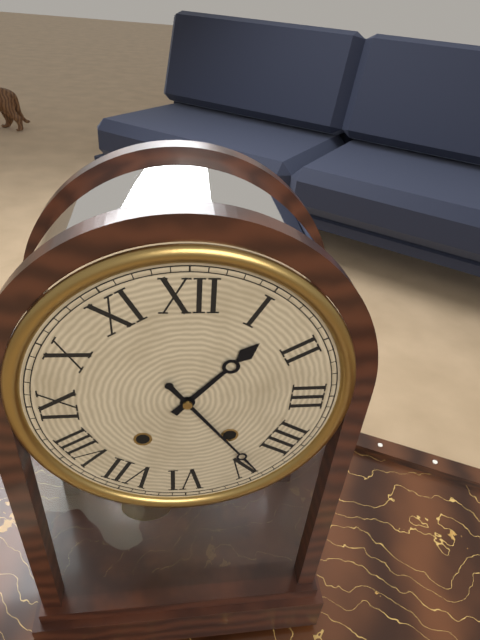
1:24
